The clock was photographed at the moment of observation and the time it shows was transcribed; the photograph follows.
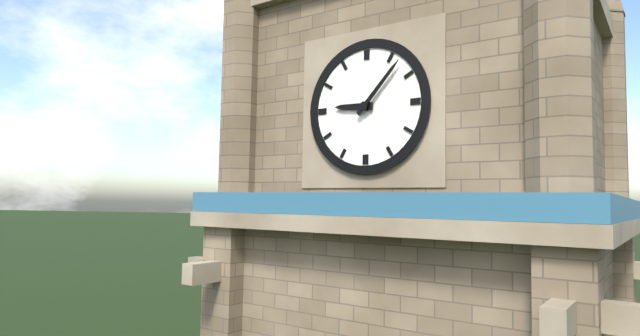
9:07
